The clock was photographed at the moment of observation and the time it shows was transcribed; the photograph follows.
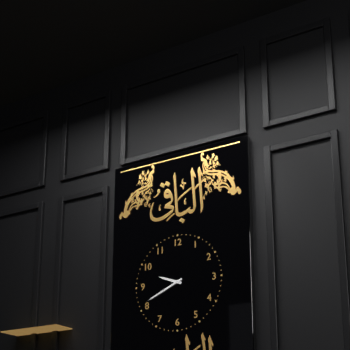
9:41
